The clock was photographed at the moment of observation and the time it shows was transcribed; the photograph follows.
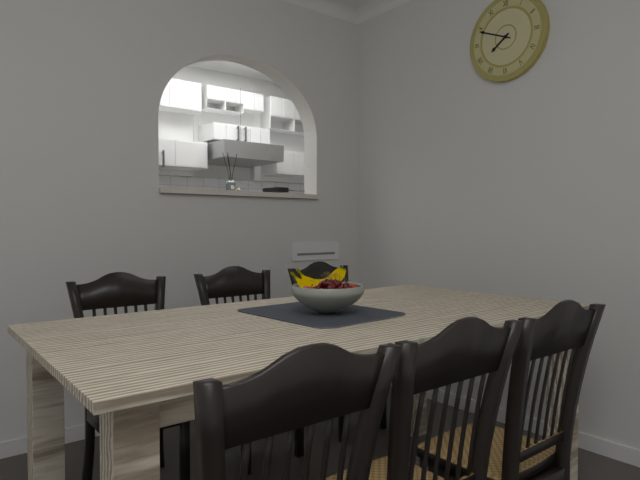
7:49
